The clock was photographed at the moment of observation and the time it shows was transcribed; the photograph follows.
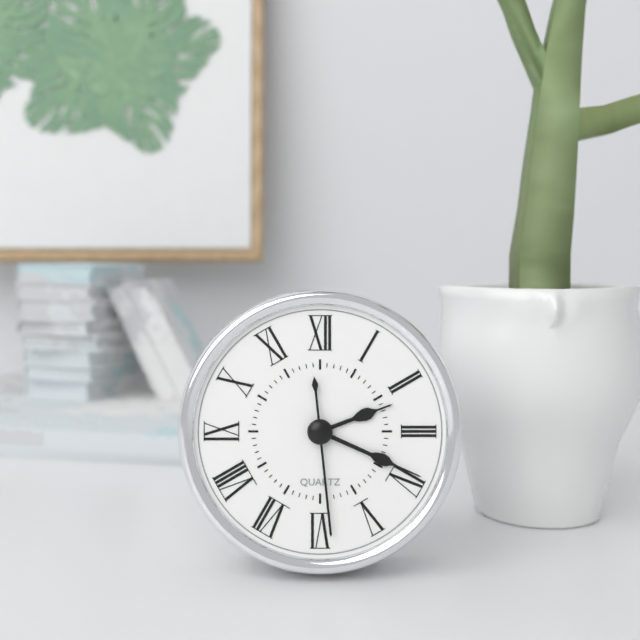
2:19:29
